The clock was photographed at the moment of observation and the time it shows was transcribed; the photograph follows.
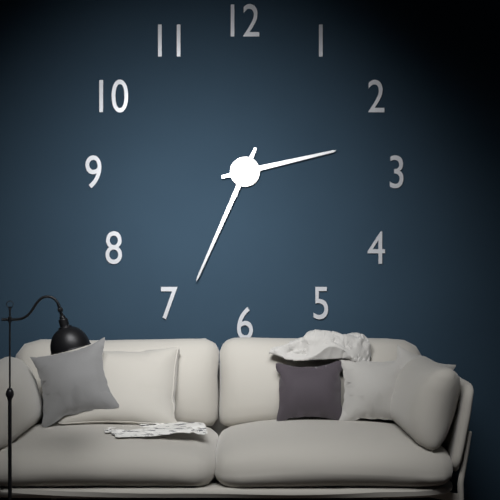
2:34
